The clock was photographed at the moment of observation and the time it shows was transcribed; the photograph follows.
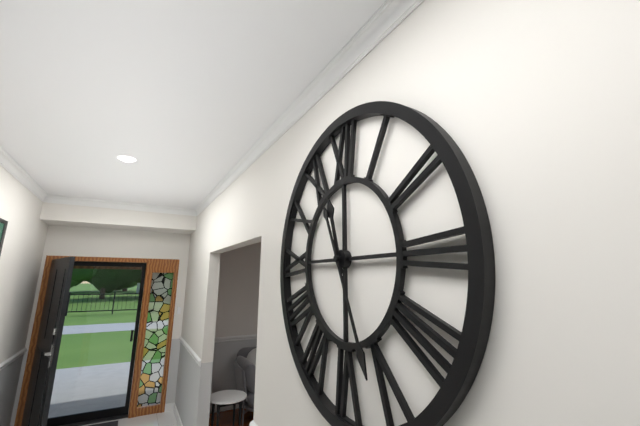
11:26
